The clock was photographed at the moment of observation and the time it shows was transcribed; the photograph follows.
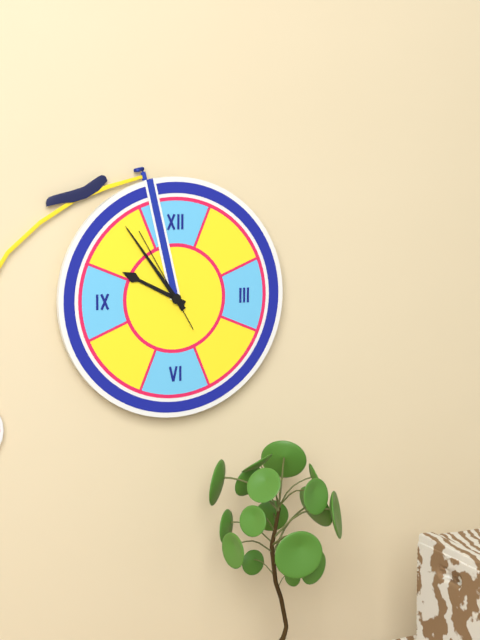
9:54:55
